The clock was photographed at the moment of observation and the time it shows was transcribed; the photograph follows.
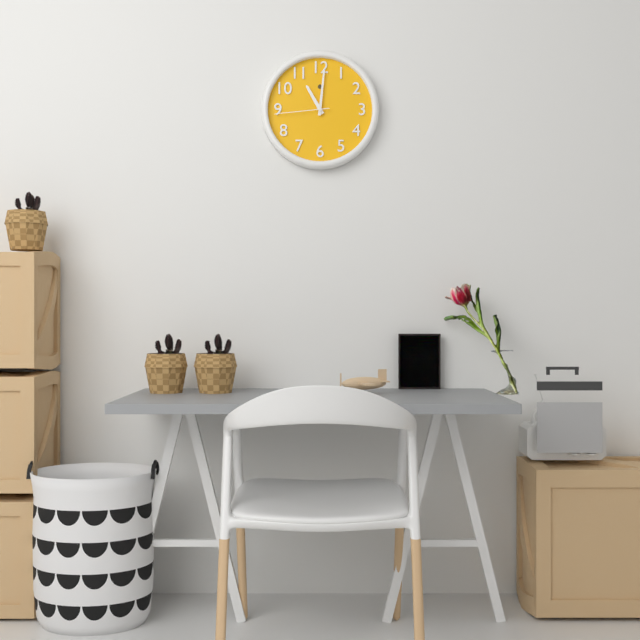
11:01:44
